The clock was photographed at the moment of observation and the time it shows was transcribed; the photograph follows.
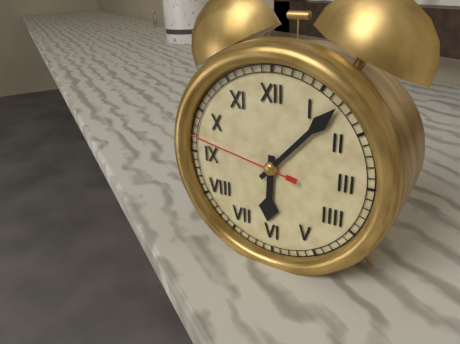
6:07:47
